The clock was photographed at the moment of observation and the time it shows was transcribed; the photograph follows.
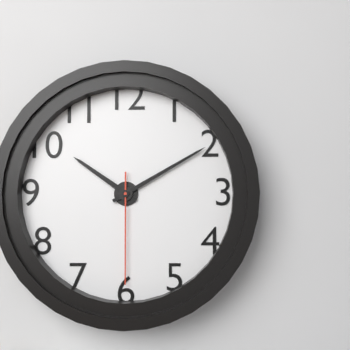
10:10:30
